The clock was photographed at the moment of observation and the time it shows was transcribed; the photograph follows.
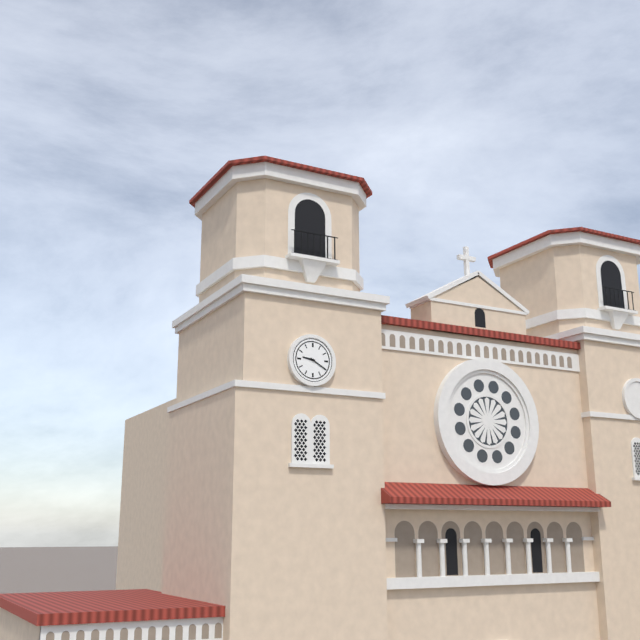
9:20
